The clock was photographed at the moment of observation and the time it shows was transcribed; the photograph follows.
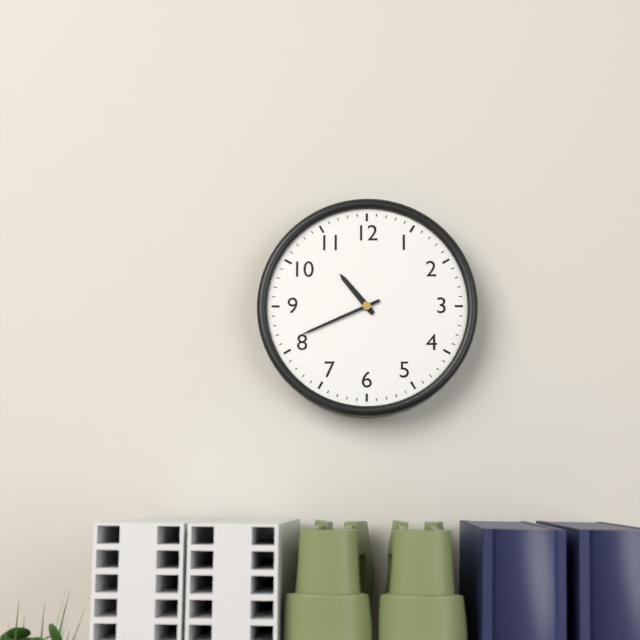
10:41
